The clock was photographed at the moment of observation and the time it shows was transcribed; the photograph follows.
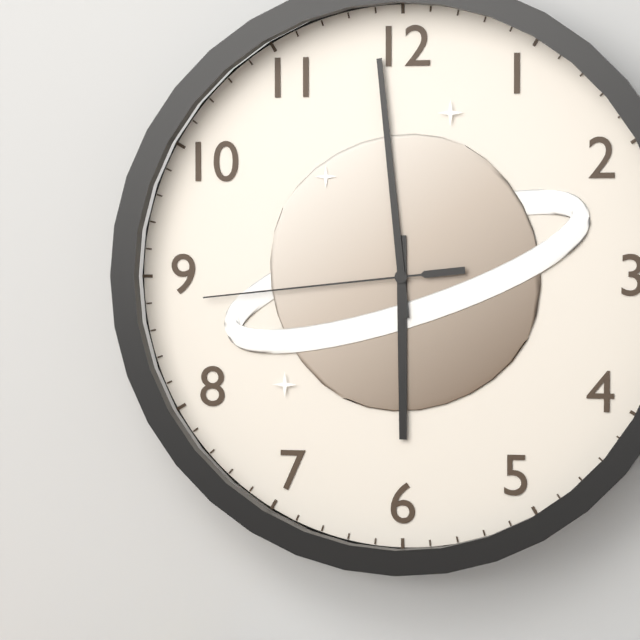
5:59:44
